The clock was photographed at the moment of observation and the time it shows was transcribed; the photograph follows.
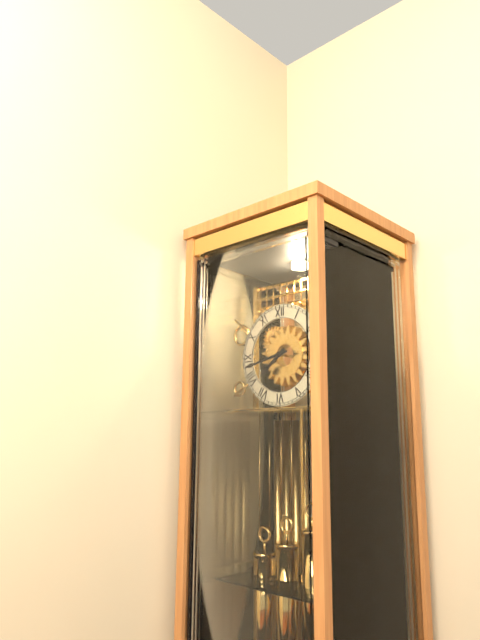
7:43
